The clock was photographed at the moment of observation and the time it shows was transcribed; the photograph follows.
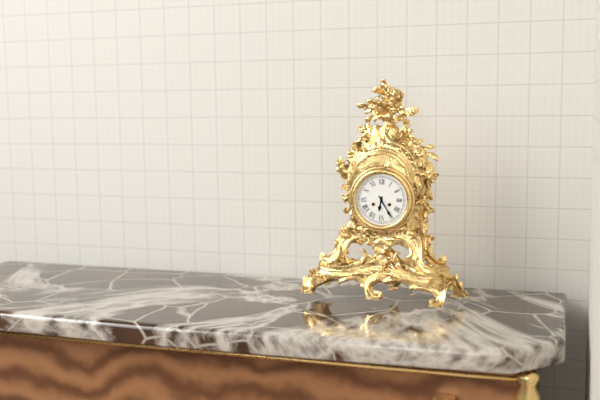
6:25
